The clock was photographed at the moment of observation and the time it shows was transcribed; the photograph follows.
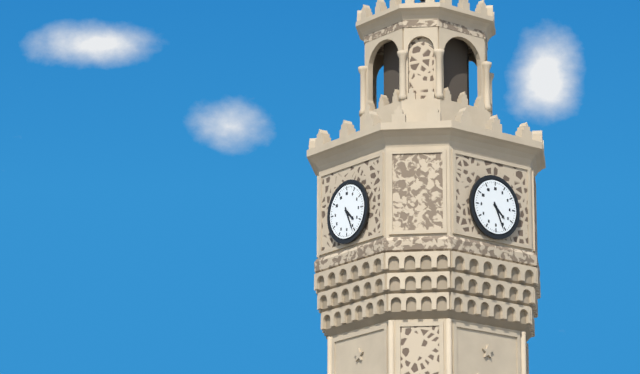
4:26
